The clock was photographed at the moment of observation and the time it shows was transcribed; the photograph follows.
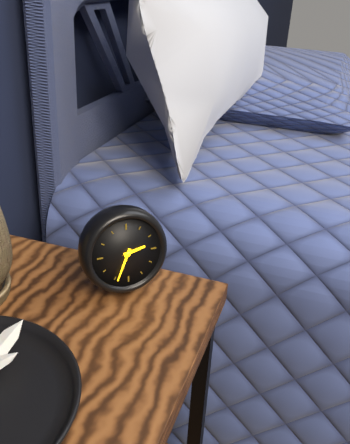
2:34
